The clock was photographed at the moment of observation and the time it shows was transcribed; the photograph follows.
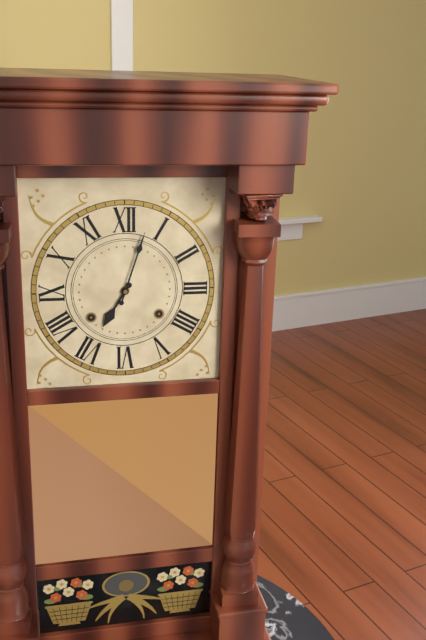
7:03
